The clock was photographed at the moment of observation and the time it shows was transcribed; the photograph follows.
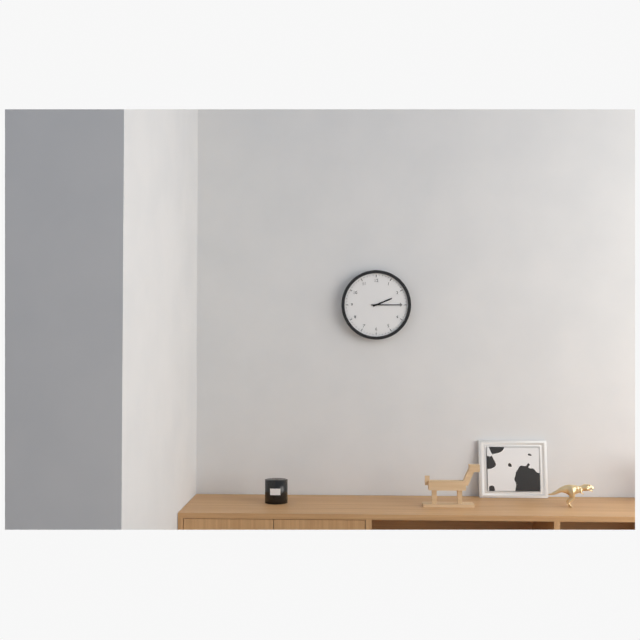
2:15
